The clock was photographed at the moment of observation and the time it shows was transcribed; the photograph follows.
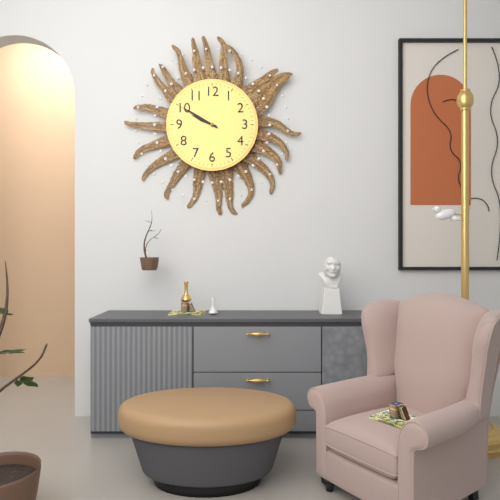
9:50
